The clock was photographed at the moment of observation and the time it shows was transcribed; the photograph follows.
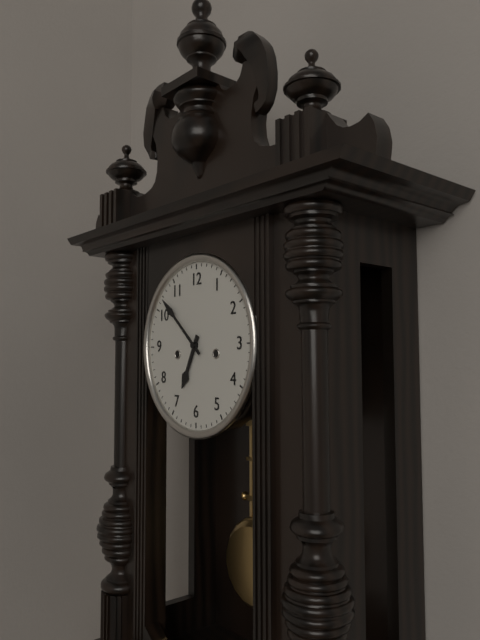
6:52
